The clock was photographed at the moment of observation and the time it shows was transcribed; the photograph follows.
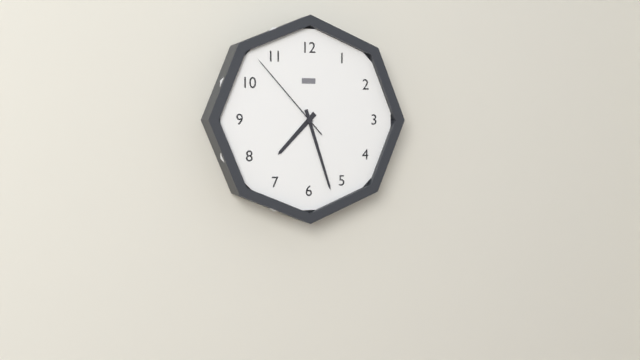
7:27:53
